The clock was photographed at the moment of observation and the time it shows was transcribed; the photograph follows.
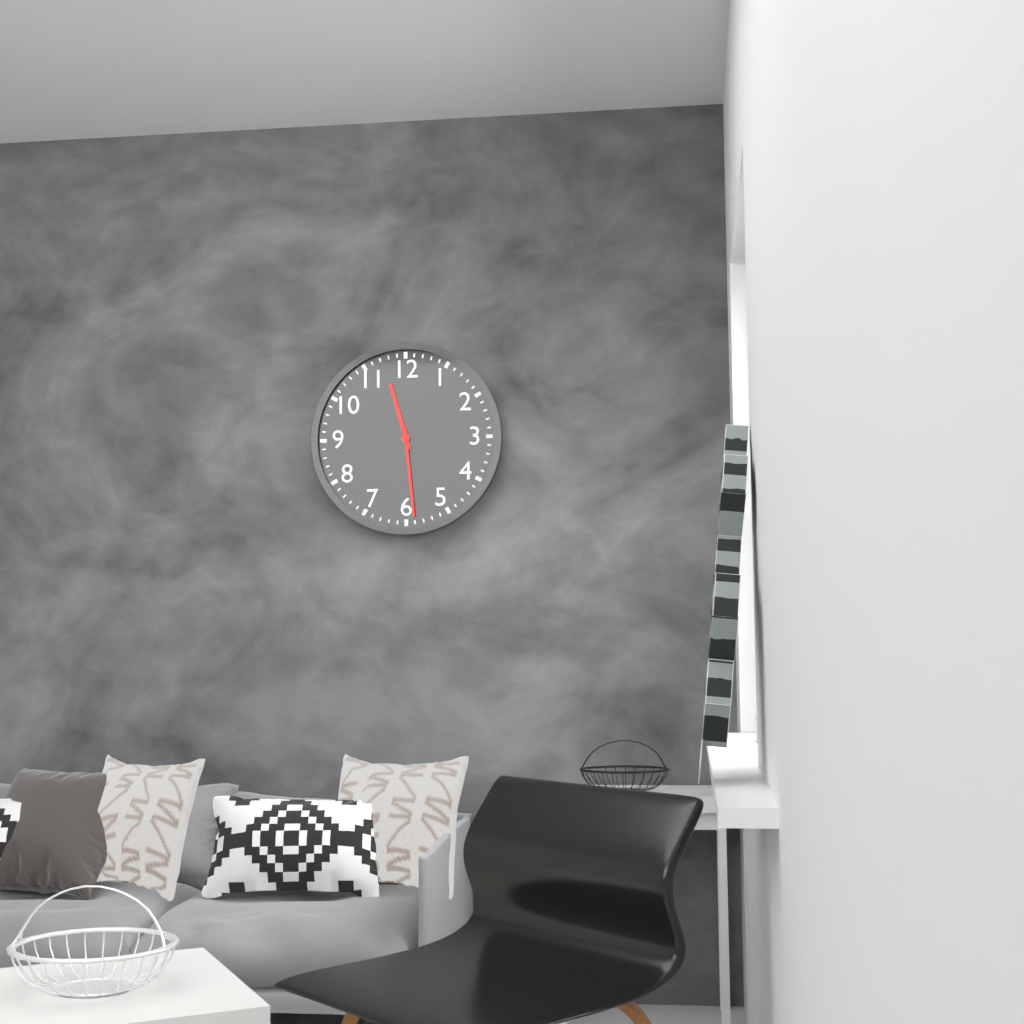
11:29
